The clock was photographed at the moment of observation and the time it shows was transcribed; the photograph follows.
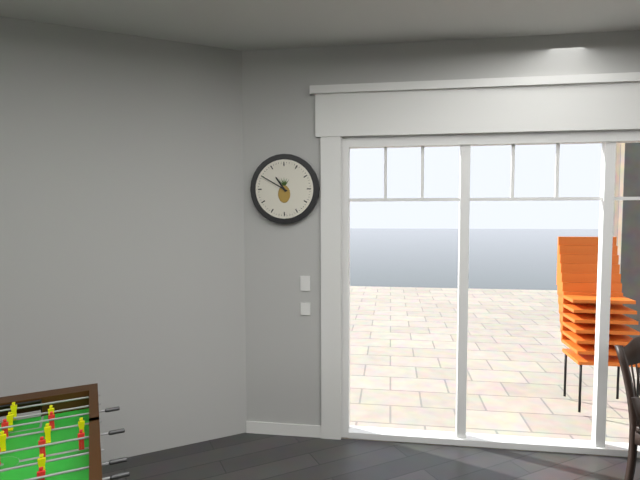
10:50
